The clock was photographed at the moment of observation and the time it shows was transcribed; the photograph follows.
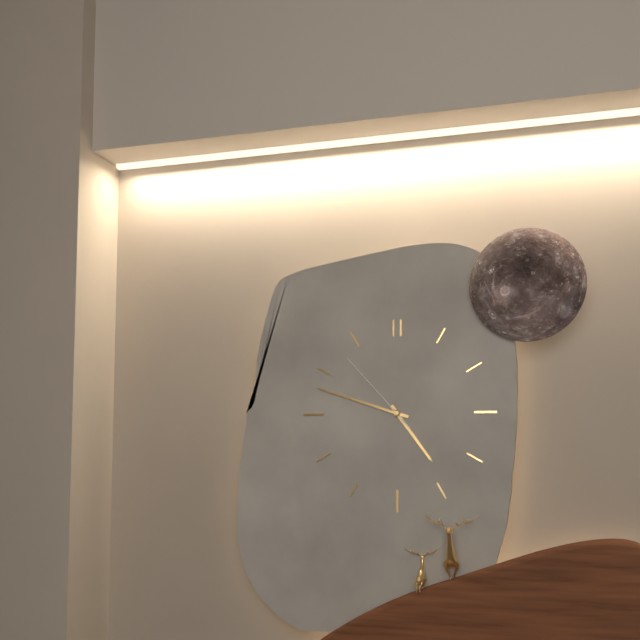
4:48:53
